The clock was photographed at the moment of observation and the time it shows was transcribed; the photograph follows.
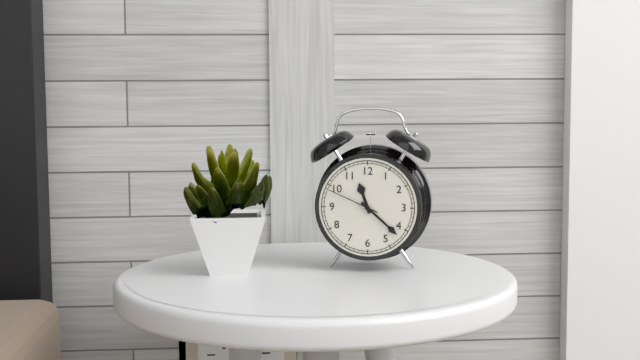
11:22:49
